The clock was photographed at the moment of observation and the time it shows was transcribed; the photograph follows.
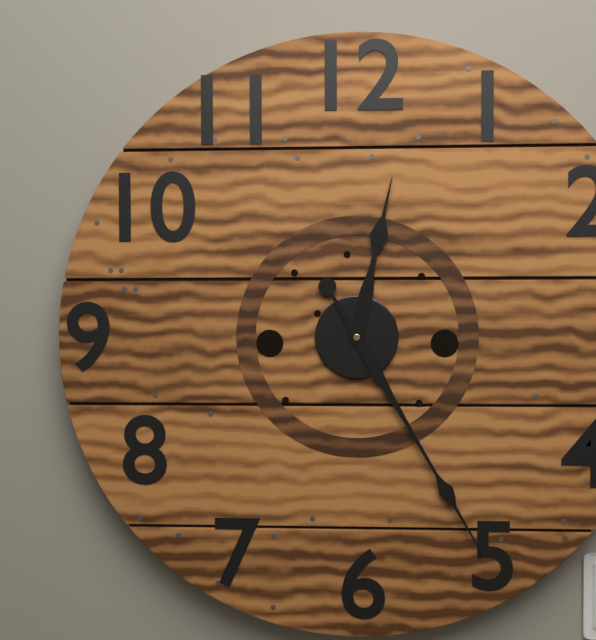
12:25
